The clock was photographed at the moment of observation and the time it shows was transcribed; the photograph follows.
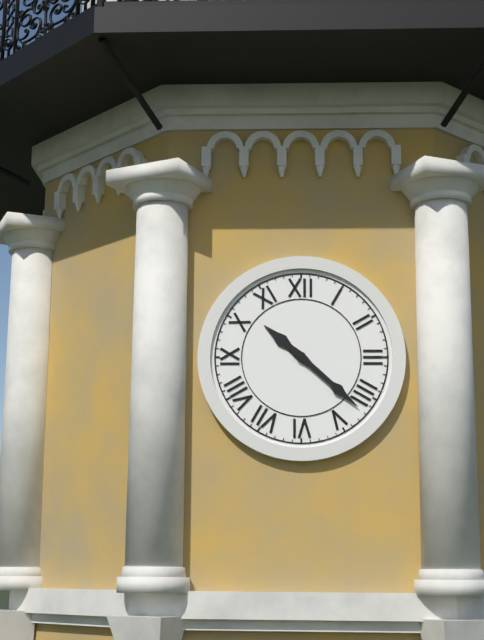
10:22
